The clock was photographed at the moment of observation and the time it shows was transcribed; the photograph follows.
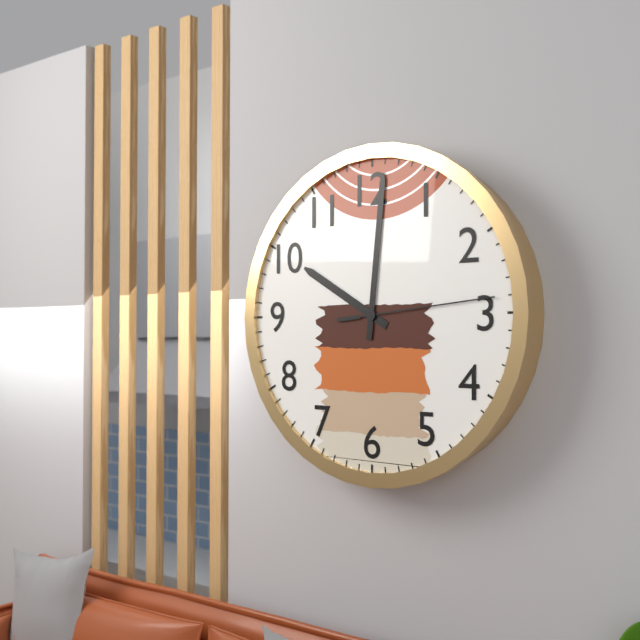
10:01:14
